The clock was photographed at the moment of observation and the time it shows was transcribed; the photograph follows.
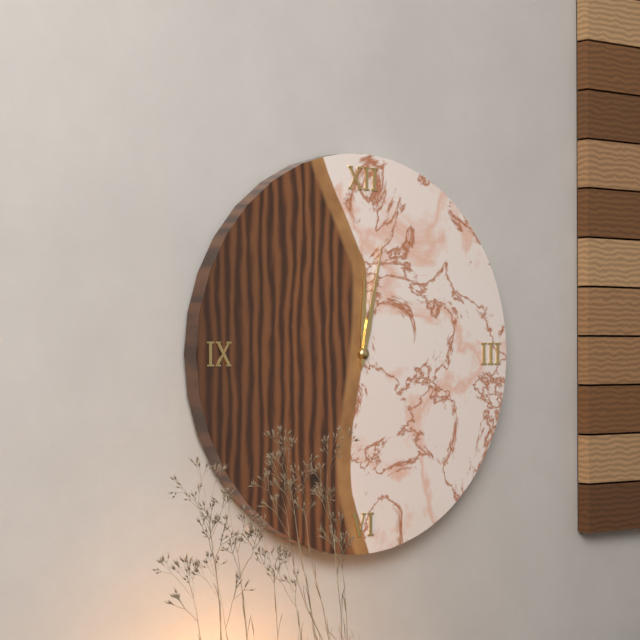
12:02
